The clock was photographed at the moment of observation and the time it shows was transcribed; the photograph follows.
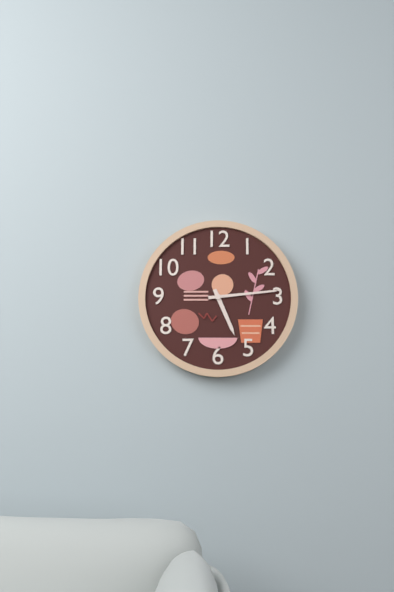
5:14
